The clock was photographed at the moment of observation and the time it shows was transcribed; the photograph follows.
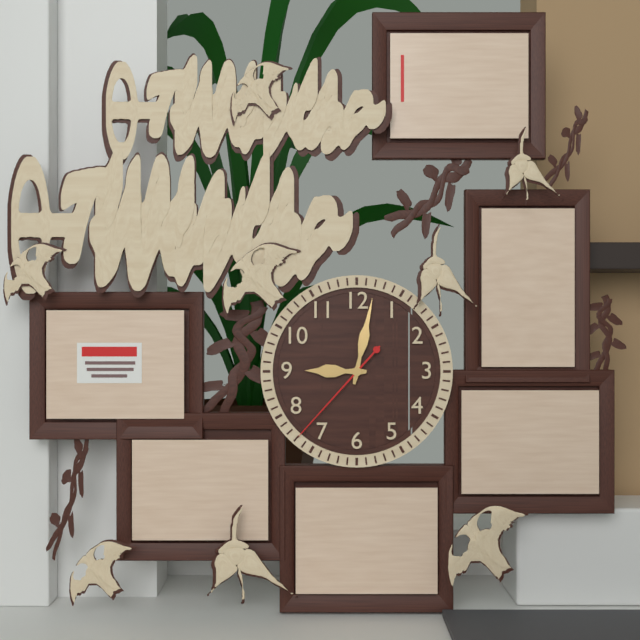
9:02:37
